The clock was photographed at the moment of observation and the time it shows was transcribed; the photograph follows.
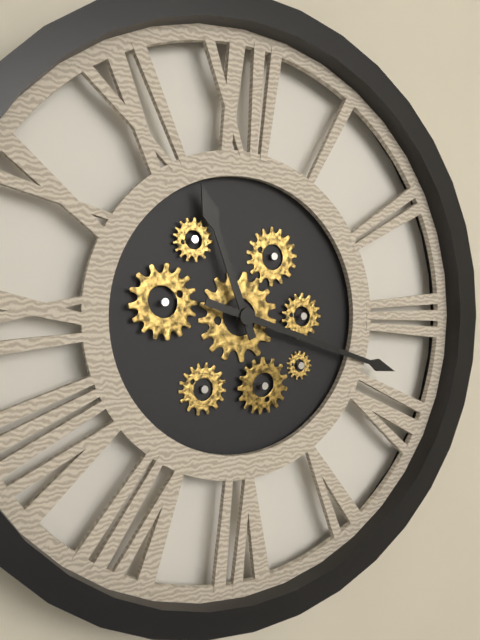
11:18
